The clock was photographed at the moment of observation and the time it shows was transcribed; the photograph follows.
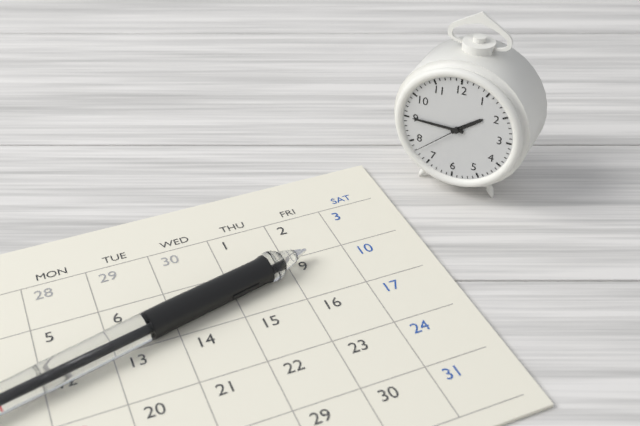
1:45:38
